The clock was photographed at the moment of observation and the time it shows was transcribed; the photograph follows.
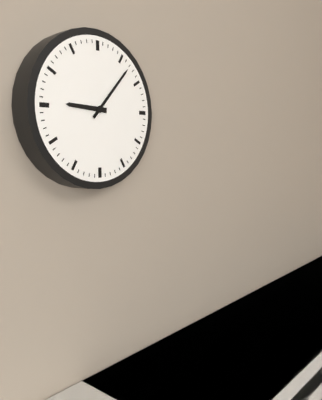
9:07
